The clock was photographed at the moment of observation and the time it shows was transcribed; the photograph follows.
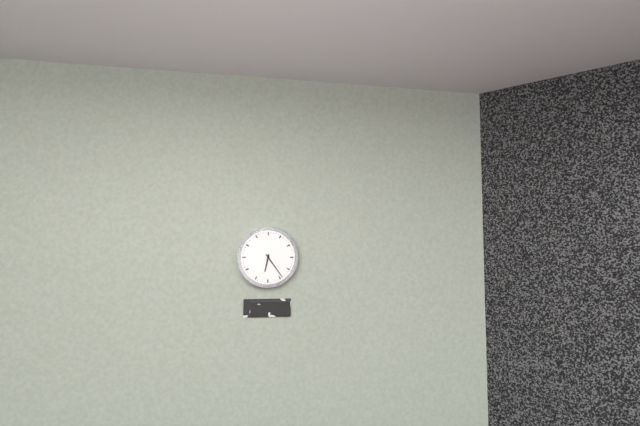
6:24
